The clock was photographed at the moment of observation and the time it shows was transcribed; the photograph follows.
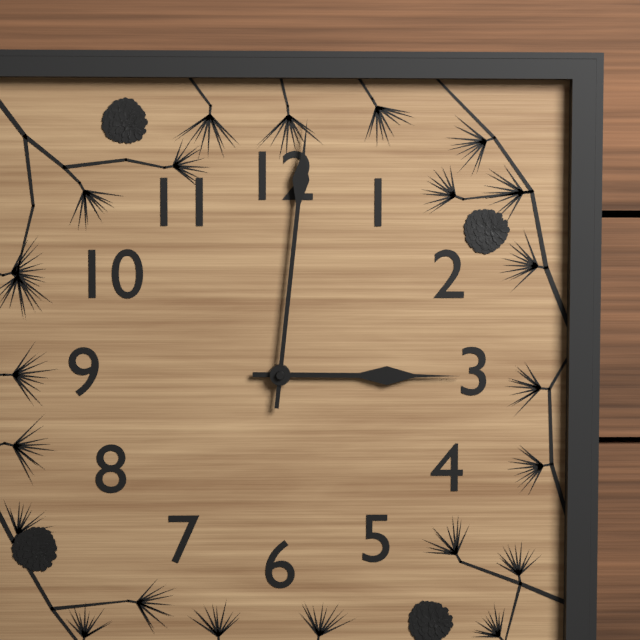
3:01
